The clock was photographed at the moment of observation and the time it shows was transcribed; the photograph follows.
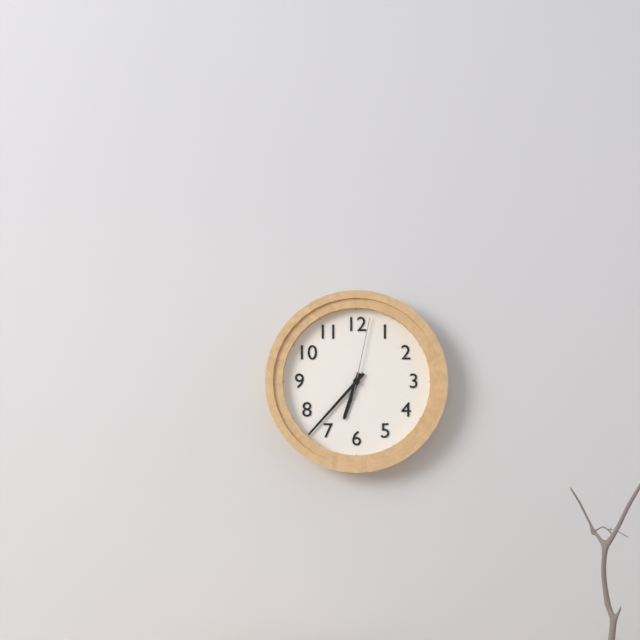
6:37:02
